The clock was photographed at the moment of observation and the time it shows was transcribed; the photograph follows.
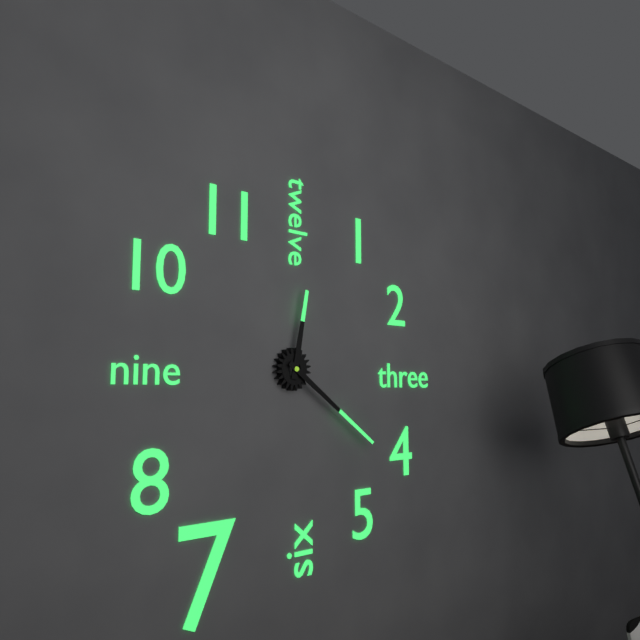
12:21
